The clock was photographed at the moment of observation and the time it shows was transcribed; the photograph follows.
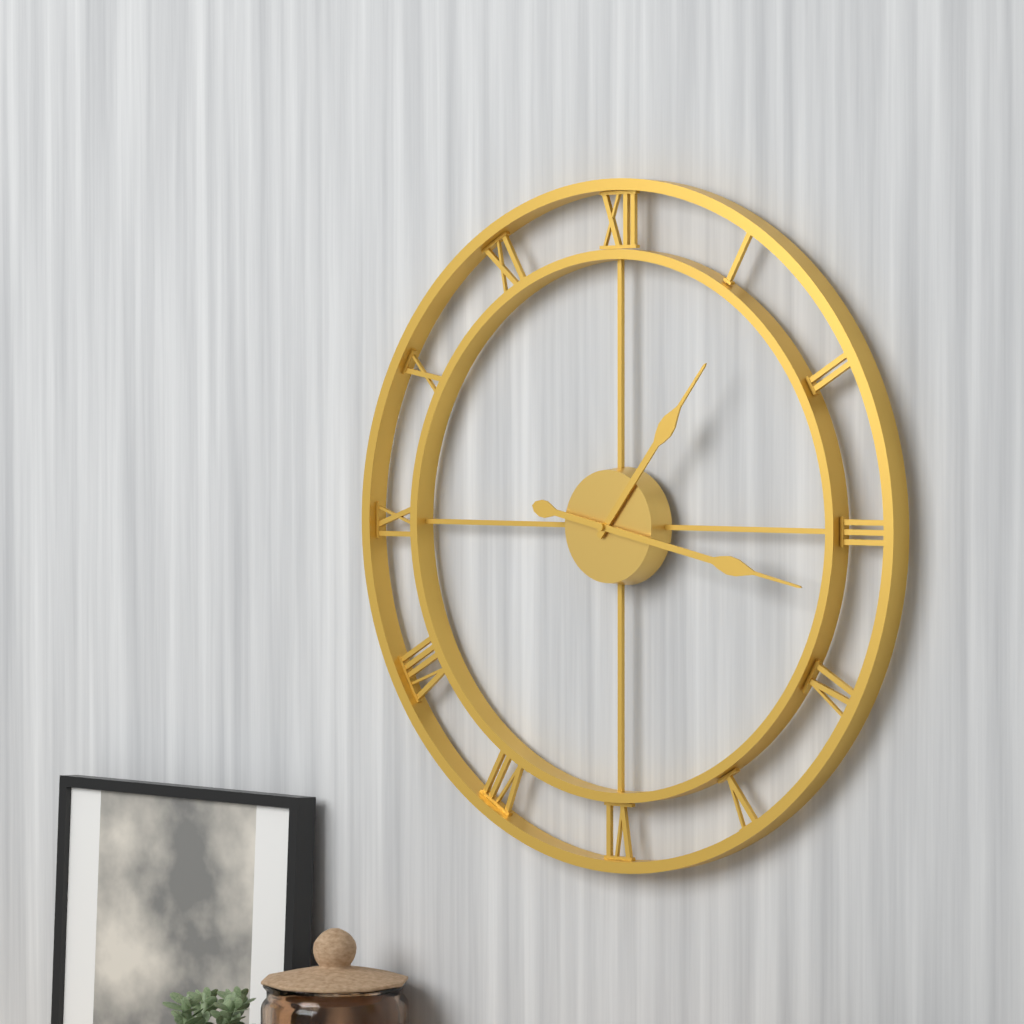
1:17
